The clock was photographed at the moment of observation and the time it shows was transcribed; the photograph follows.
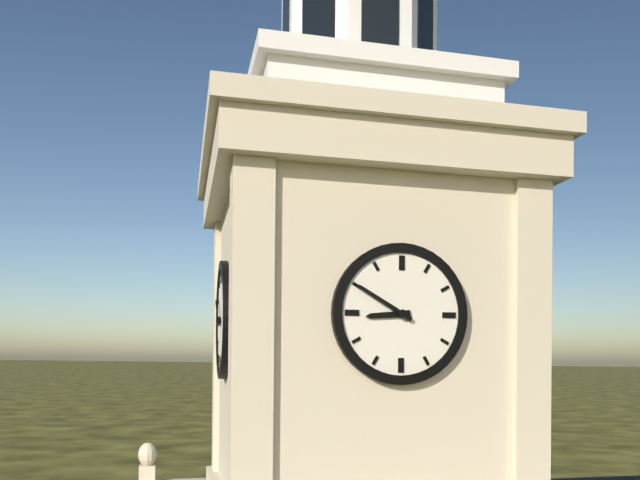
8:50
